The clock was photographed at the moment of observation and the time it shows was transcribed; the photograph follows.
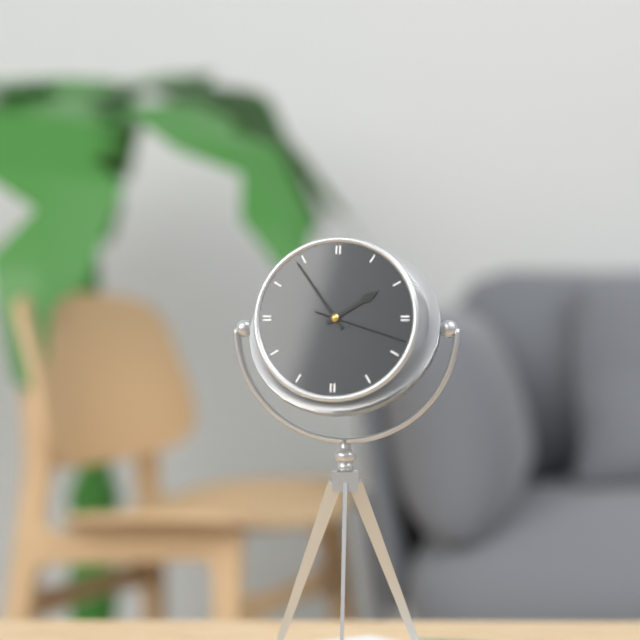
1:54:18
